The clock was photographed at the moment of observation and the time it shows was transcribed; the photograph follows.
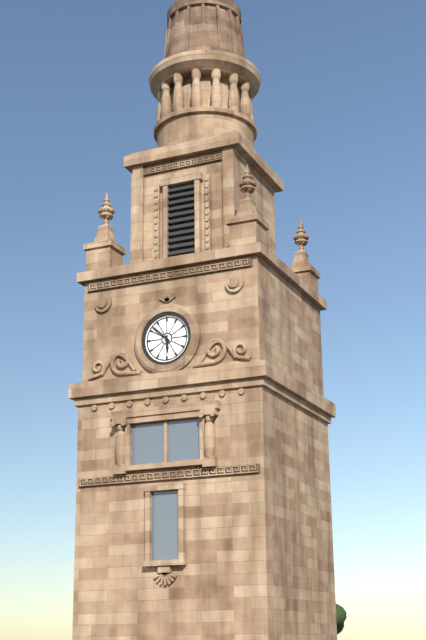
5:52
